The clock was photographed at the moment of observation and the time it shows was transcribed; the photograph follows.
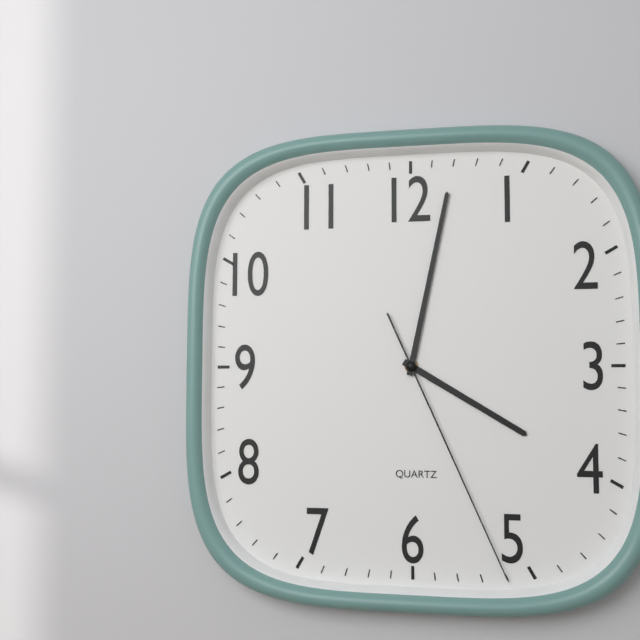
4:02:26
